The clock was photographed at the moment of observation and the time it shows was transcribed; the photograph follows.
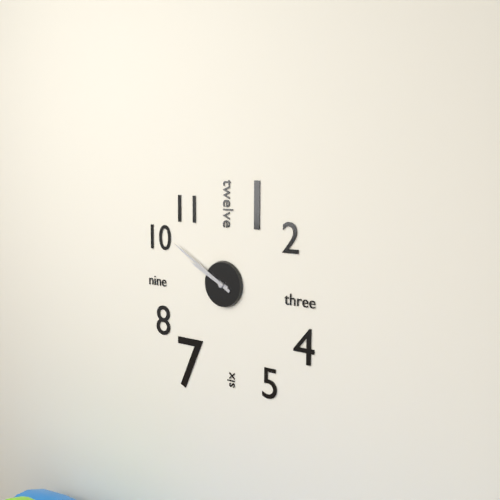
9:50
